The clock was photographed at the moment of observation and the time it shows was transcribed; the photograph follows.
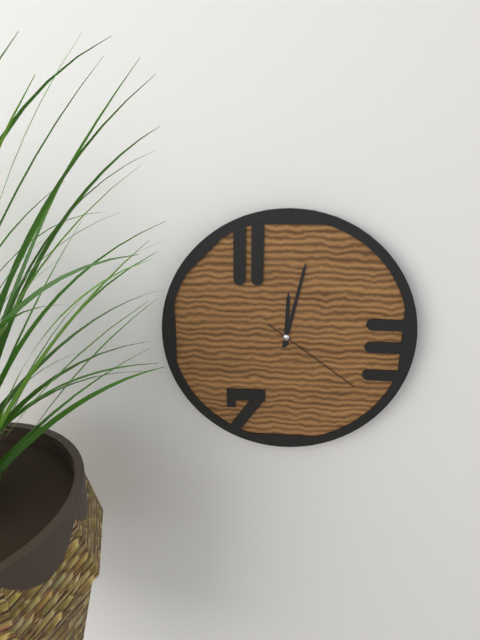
12:02:21
